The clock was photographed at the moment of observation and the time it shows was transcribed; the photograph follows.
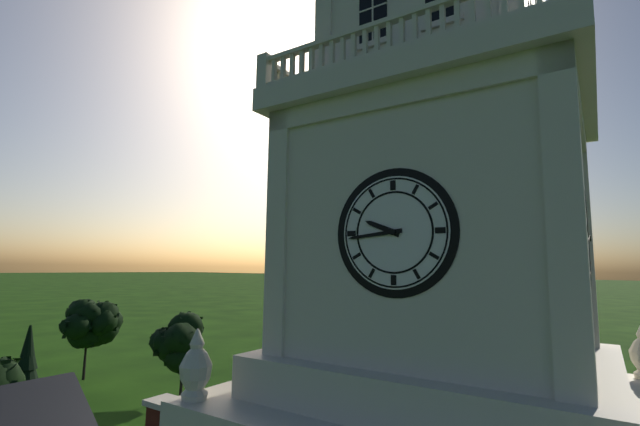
9:44
